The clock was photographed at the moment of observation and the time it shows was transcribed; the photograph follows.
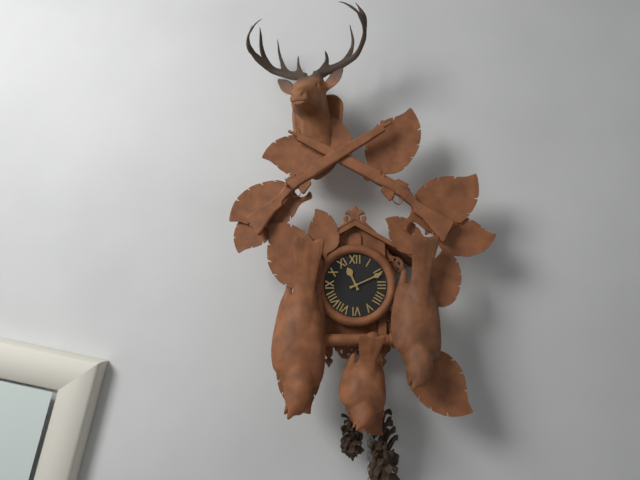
11:11
